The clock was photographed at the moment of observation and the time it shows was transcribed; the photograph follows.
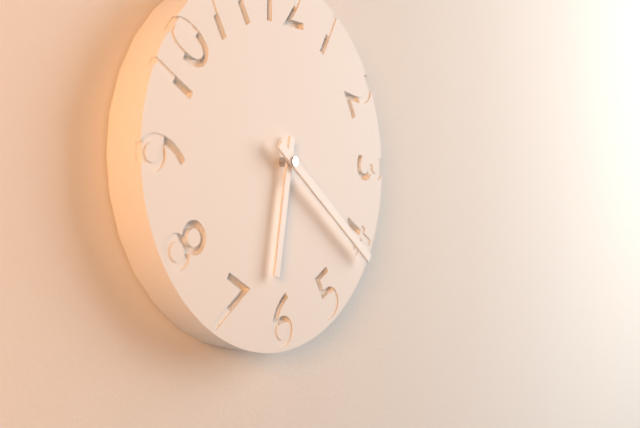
6:21
